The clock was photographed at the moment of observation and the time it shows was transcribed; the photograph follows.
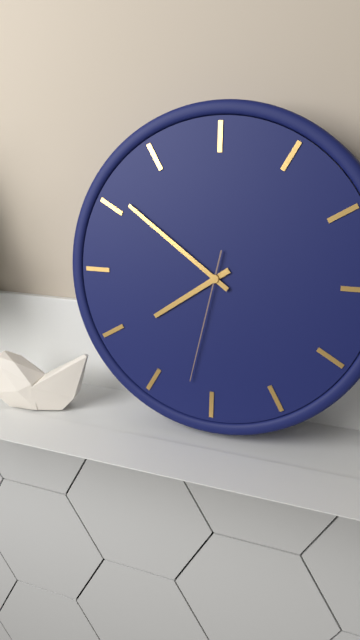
7:51:32
